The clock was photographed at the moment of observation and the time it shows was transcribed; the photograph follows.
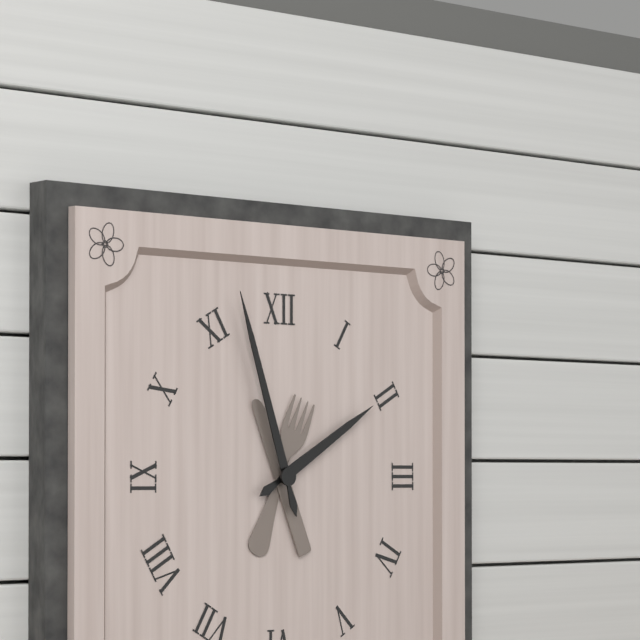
1:57
